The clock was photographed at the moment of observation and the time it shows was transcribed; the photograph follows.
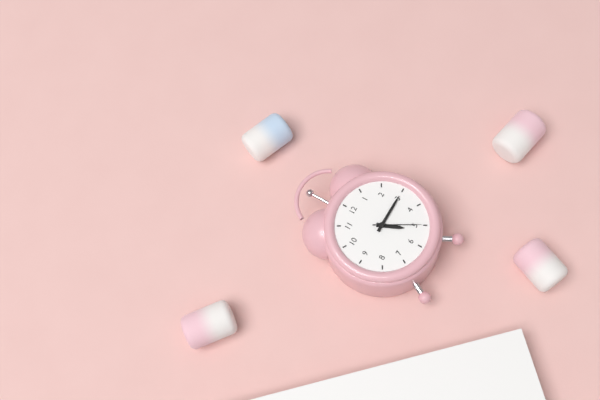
5:15:25
